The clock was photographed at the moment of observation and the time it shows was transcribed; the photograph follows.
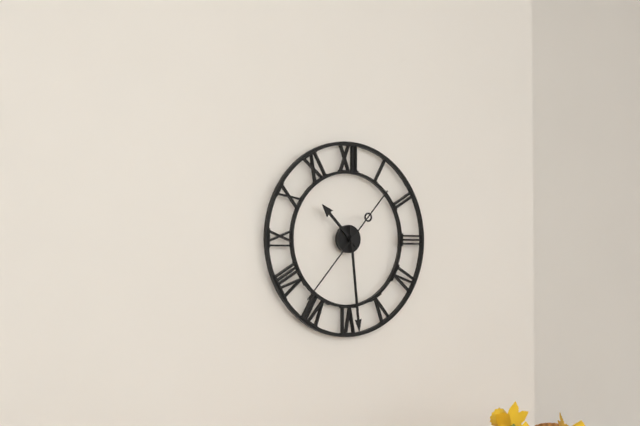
10:29:37
